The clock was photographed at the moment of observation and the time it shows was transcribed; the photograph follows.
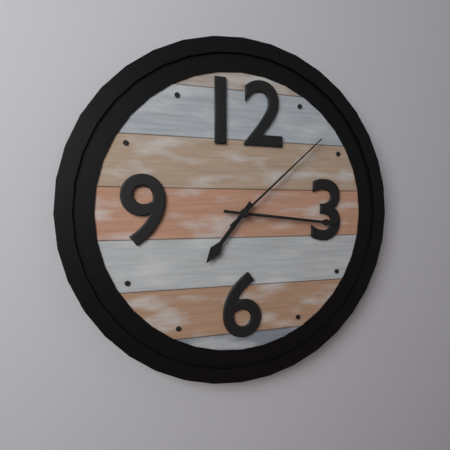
7:16:08
